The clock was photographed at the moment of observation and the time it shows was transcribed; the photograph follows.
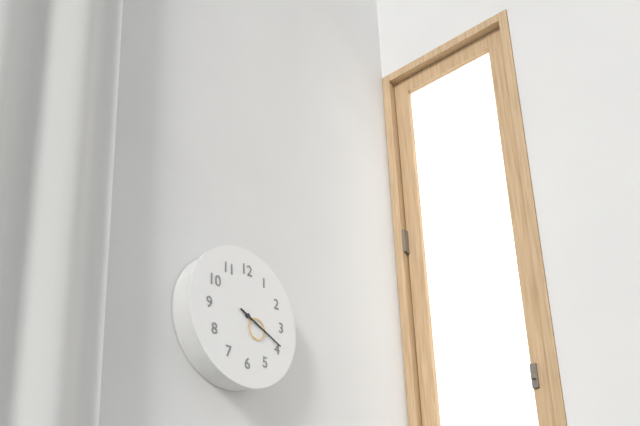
4:19
